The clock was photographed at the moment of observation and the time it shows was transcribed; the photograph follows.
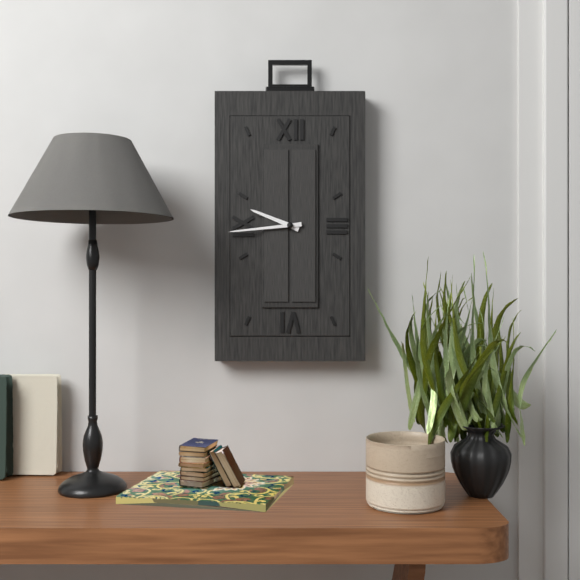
9:44
